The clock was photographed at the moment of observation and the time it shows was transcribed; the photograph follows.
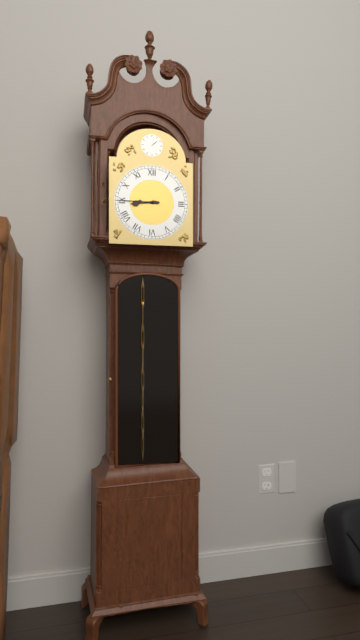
8:45
